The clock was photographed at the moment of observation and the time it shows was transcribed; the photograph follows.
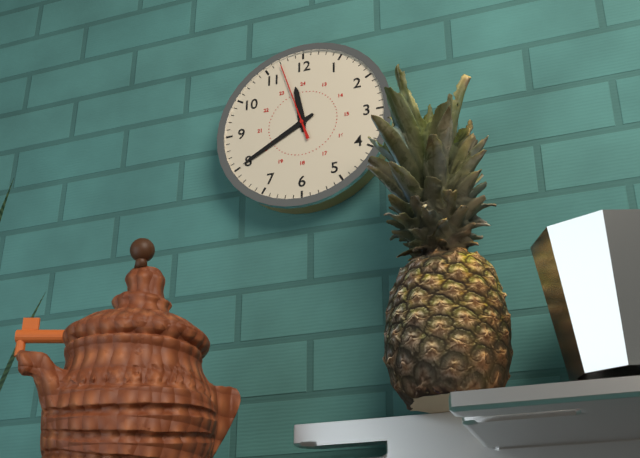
11:40:57
